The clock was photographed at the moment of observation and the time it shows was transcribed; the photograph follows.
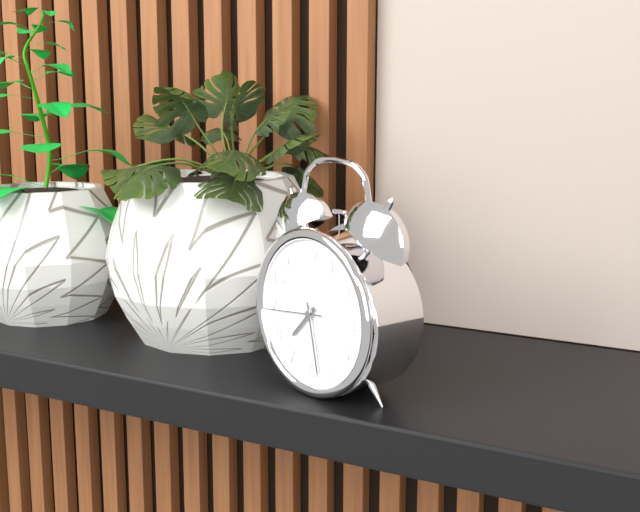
7:28:44
